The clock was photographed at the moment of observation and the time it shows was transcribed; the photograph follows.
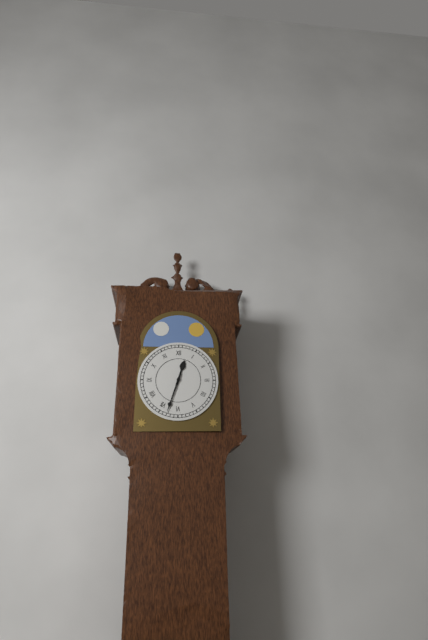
12:33
